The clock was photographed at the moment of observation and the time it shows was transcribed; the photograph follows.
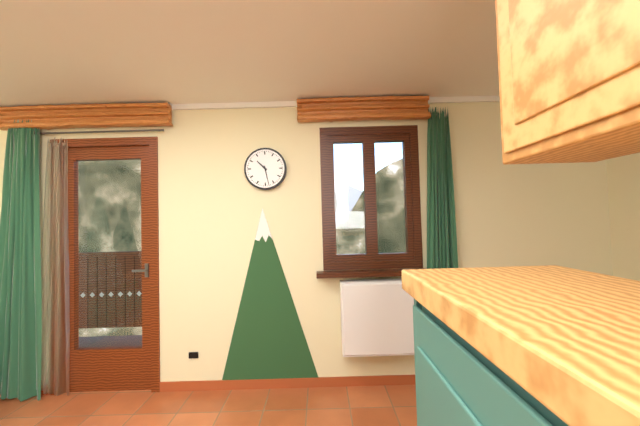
10:28
